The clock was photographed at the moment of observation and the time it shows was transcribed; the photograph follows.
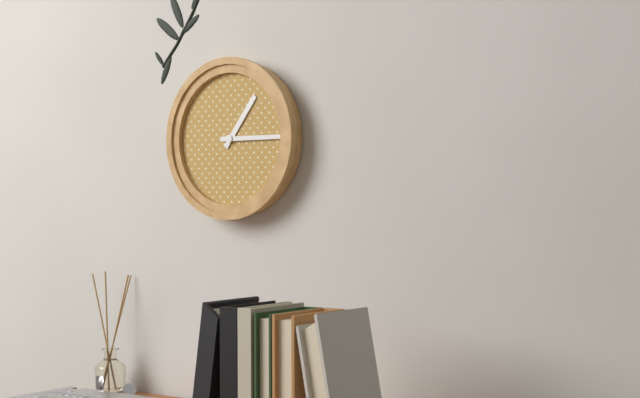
1:15
